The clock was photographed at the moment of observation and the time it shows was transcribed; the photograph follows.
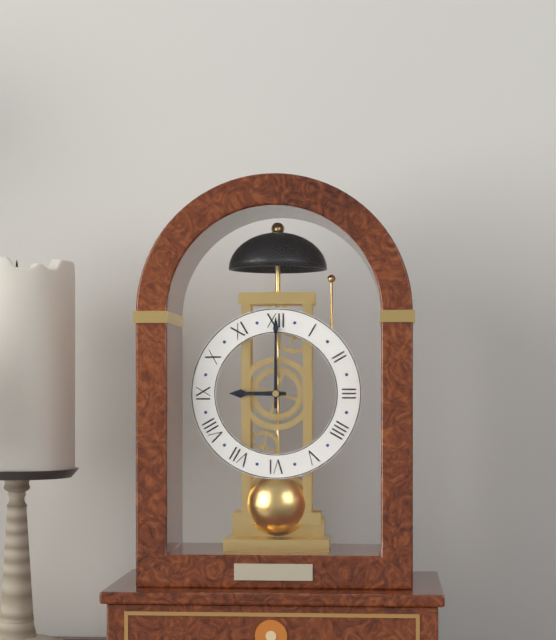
9:00
